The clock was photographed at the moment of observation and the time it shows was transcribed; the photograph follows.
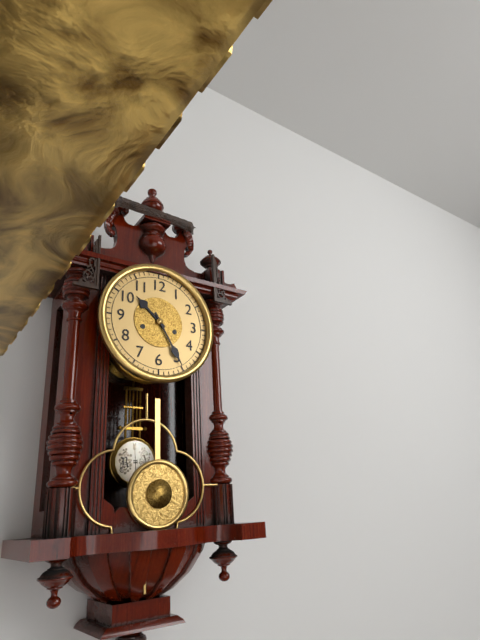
10:25
